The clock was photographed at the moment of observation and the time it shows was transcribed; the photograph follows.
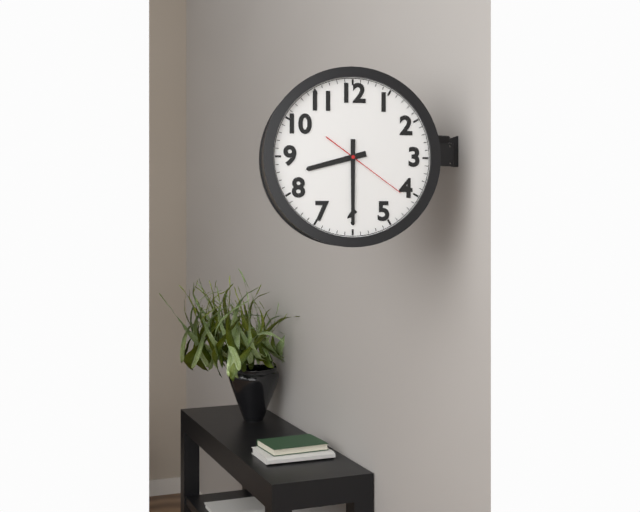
8:30:21
